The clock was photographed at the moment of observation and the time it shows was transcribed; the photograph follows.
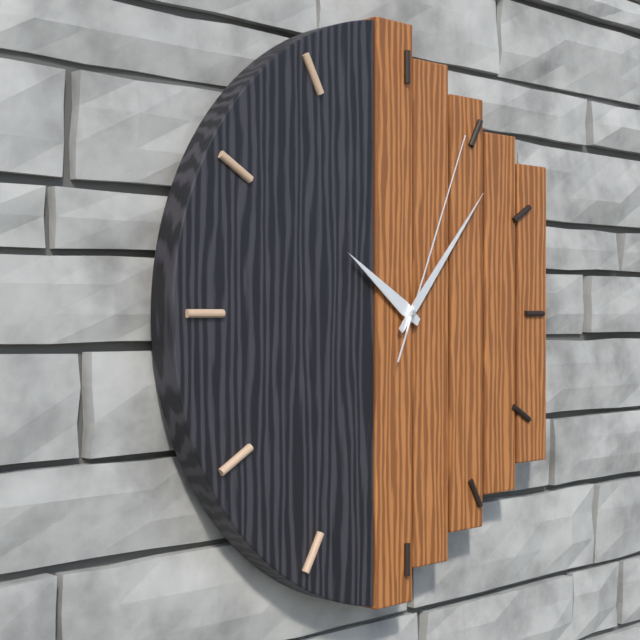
10:07:04
